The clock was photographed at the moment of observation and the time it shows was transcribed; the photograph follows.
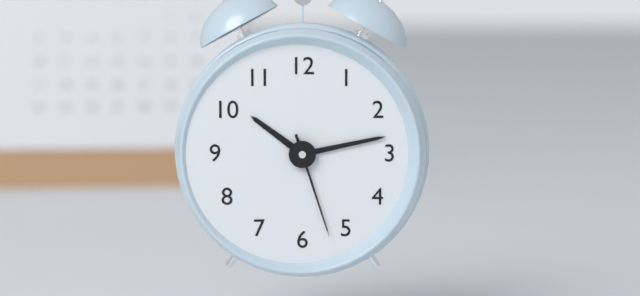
10:13:27
